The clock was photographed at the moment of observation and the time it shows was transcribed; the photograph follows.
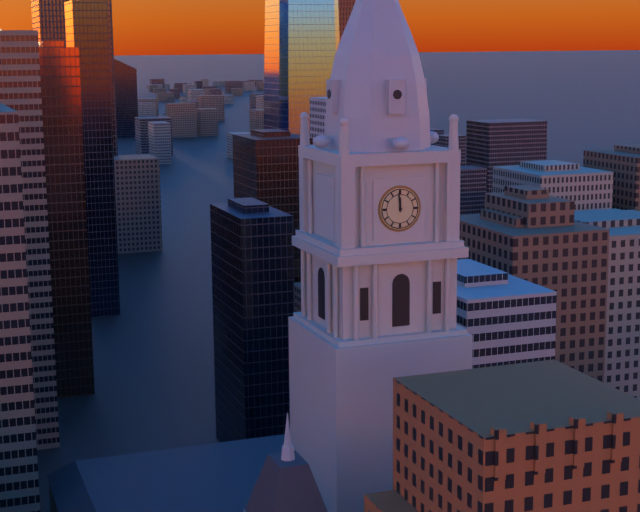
11:59
